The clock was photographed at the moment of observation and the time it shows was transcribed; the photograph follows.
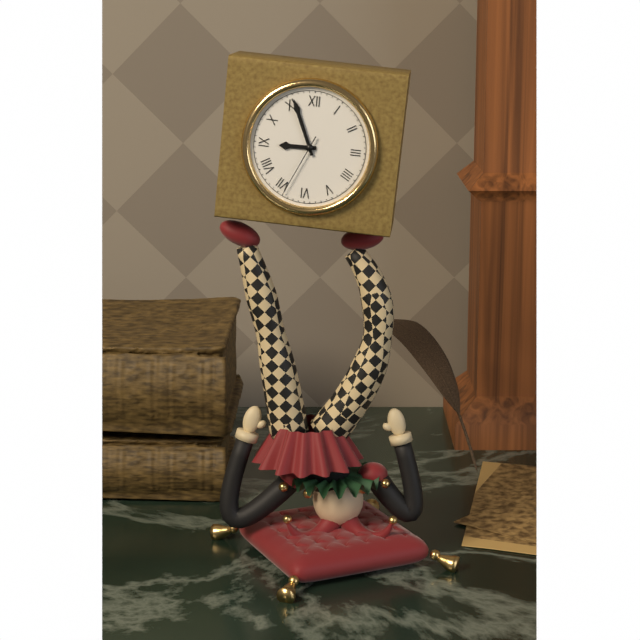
8:56:34
